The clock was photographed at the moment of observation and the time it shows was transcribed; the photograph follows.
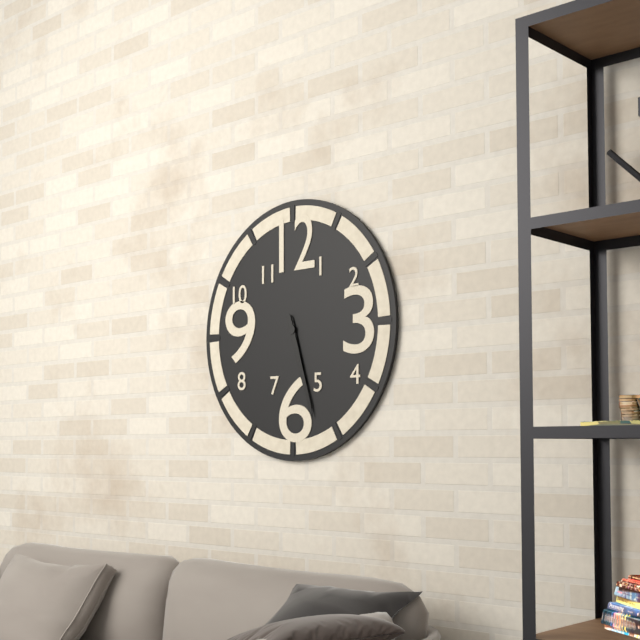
5:27
